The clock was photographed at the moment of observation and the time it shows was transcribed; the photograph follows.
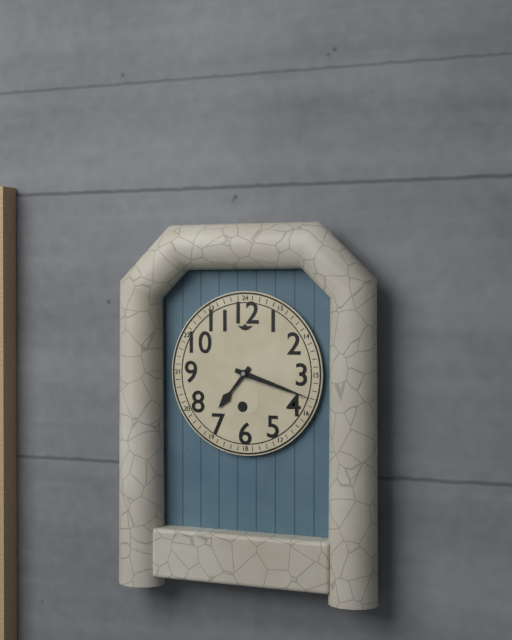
7:18
